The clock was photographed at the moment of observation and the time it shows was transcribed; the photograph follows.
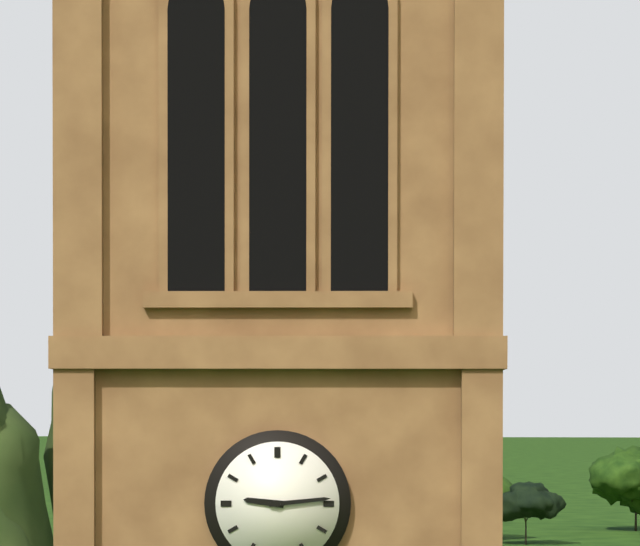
9:14
